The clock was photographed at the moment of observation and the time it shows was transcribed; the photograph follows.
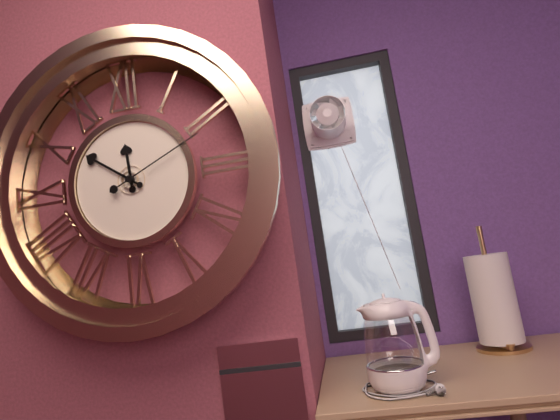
11:51:11
